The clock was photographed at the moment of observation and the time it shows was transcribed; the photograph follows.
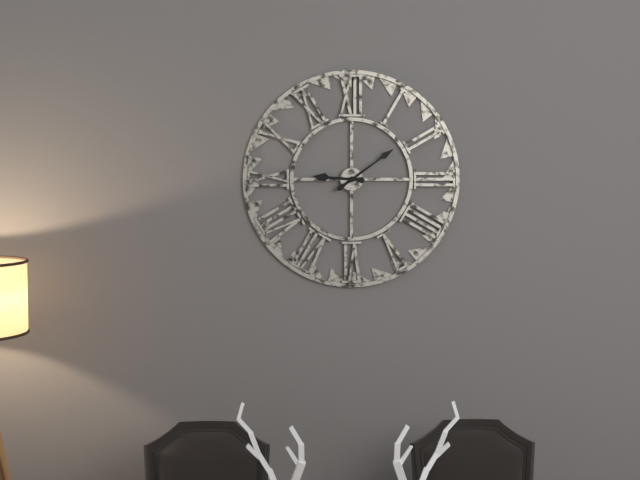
9:09
